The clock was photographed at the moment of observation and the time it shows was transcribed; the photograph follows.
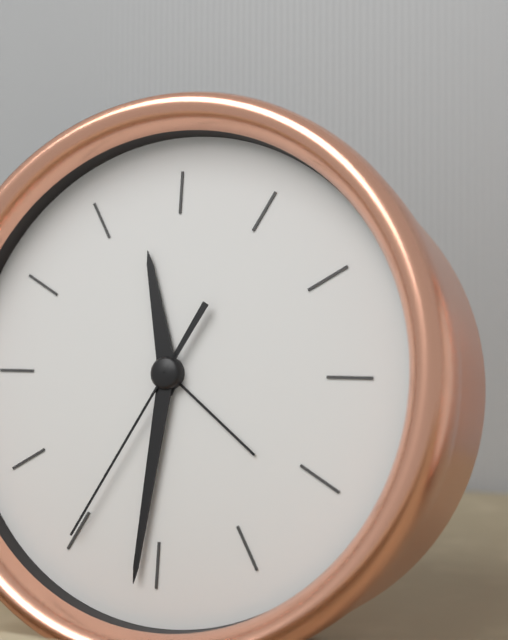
11:31:35
